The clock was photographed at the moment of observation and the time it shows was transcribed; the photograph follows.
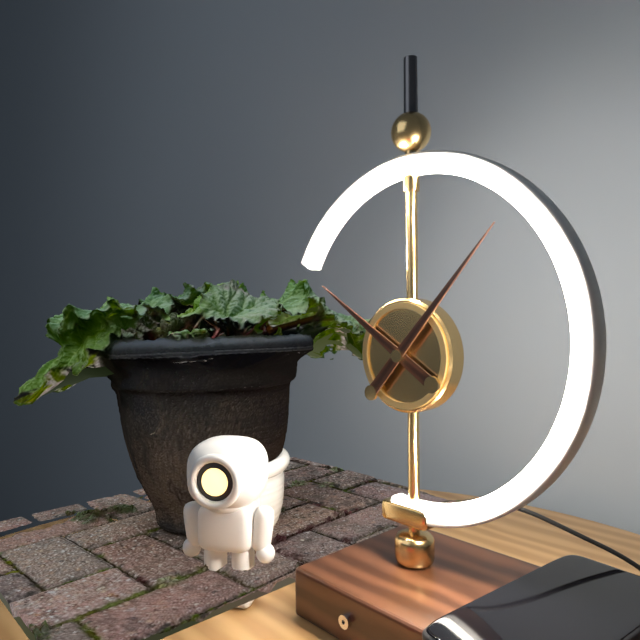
10:07
